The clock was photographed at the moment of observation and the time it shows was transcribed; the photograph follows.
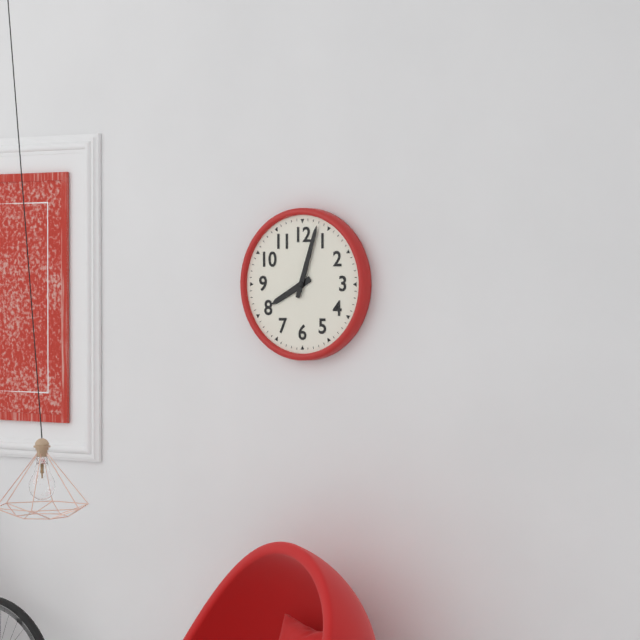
8:03
